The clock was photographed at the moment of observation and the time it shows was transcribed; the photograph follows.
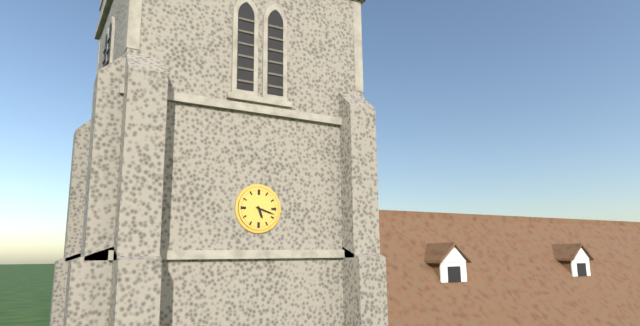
5:18
